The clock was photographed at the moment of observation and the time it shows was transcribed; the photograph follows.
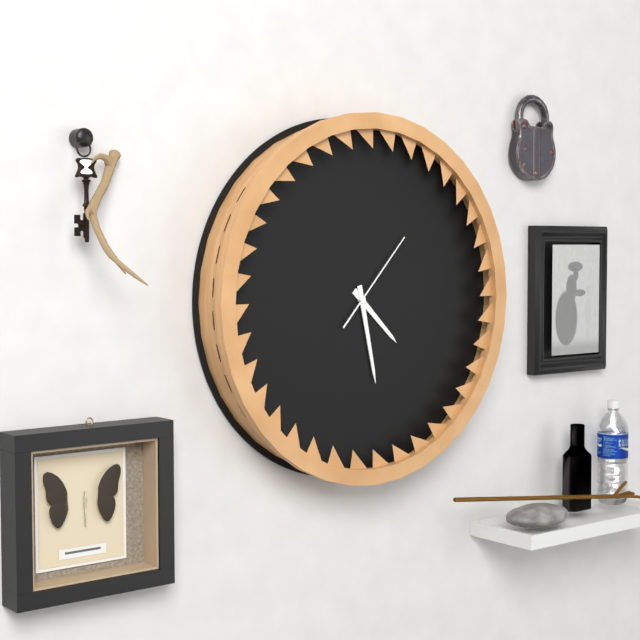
4:28:07
